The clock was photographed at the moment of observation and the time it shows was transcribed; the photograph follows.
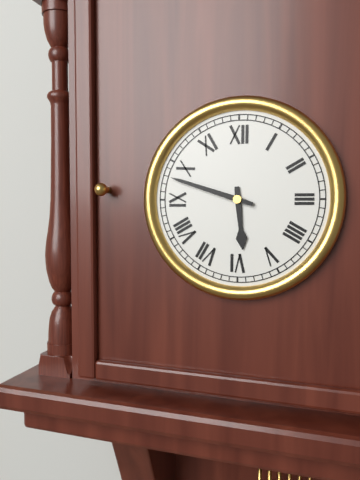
5:48
